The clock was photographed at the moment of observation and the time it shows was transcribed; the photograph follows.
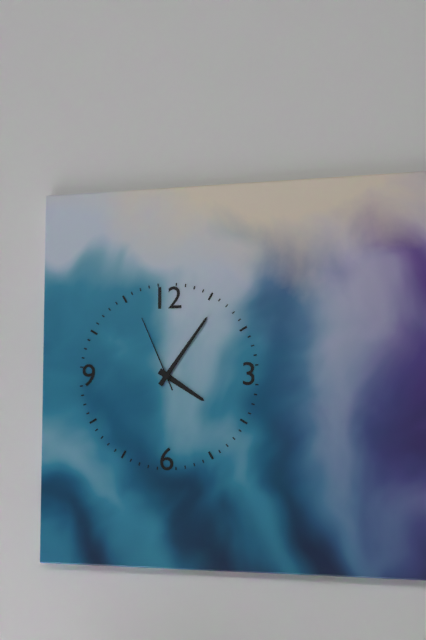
4:06:56
